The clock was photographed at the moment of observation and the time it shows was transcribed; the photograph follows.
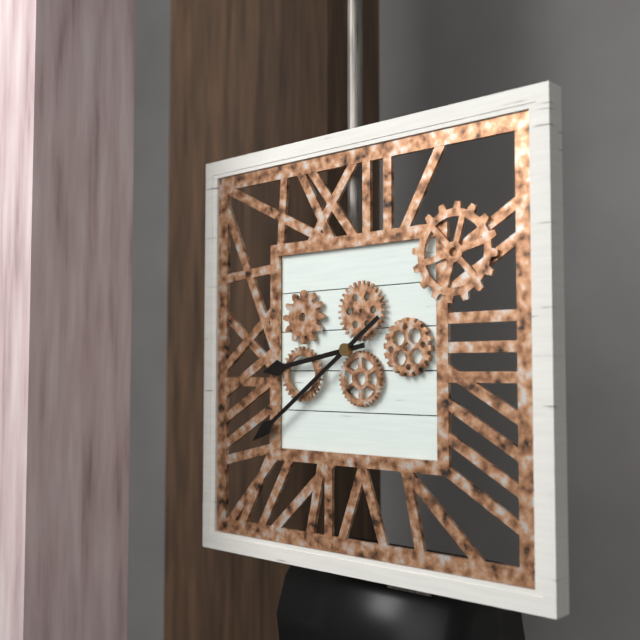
8:39
